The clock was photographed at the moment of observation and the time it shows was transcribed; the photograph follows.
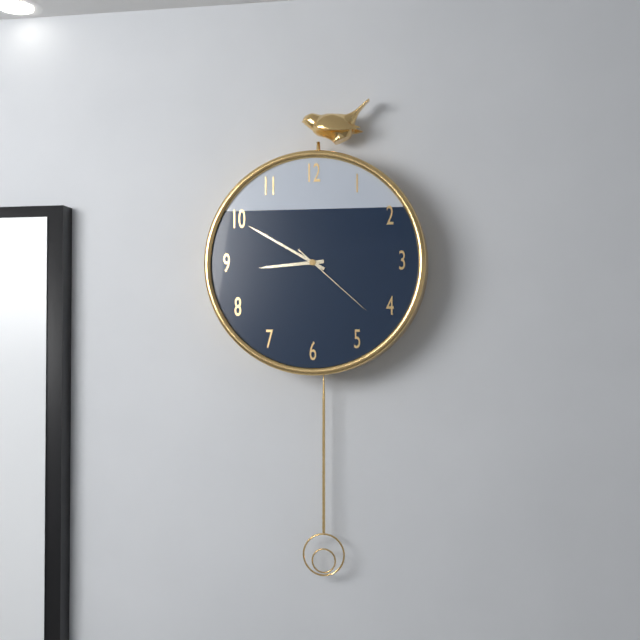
8:50:22
